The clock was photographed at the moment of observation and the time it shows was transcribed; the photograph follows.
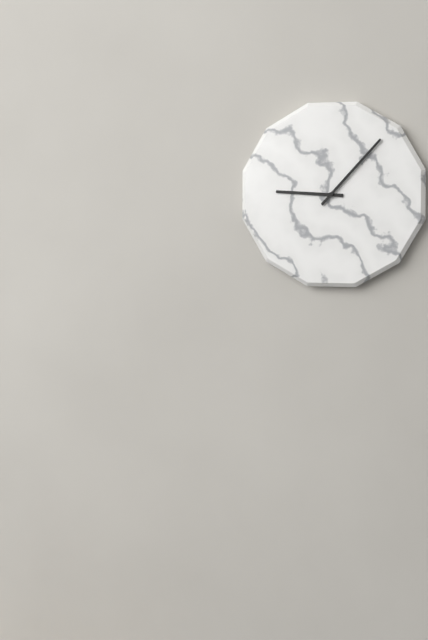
9:07
